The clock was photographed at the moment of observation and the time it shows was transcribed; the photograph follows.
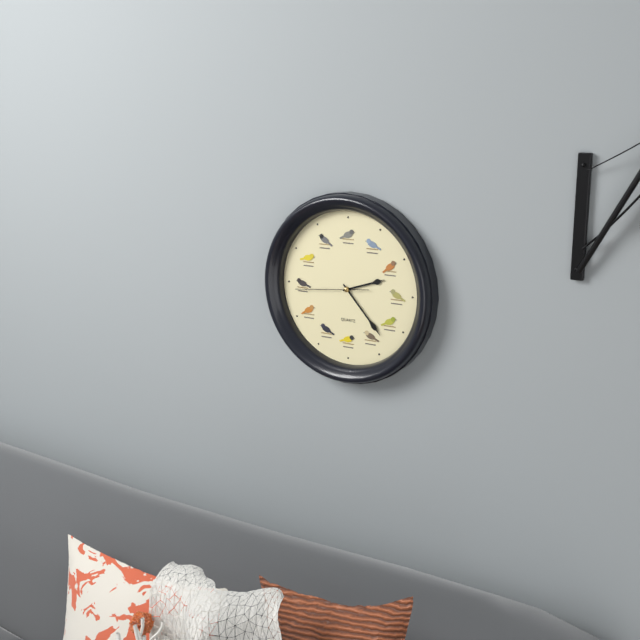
2:23:44
